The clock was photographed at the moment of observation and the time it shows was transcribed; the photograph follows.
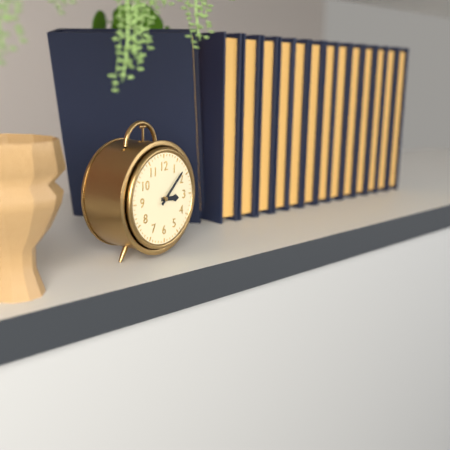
3:08
